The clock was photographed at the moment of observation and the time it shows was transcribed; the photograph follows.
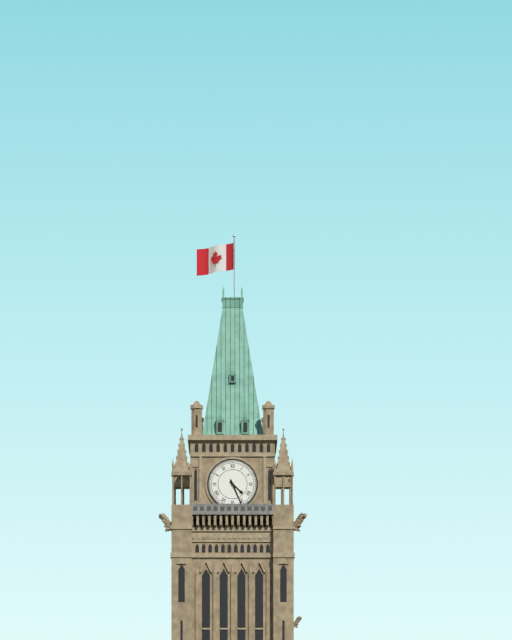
4:26
